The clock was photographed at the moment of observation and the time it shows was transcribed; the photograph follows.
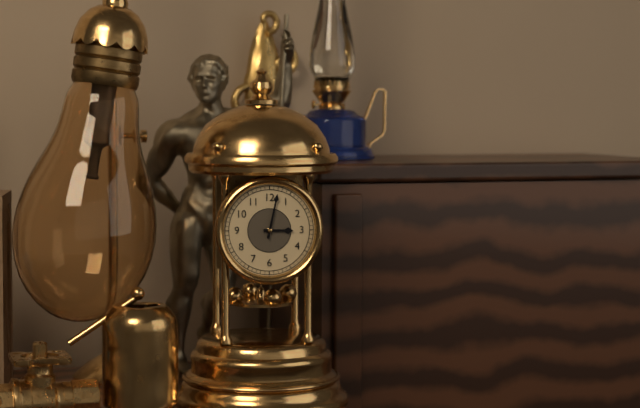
3:02
